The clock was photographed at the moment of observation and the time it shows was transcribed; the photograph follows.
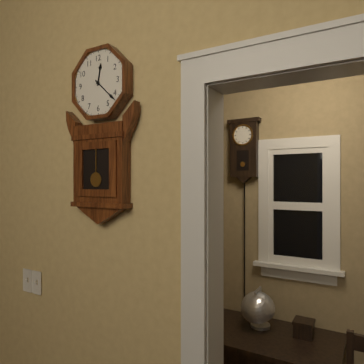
12:22
